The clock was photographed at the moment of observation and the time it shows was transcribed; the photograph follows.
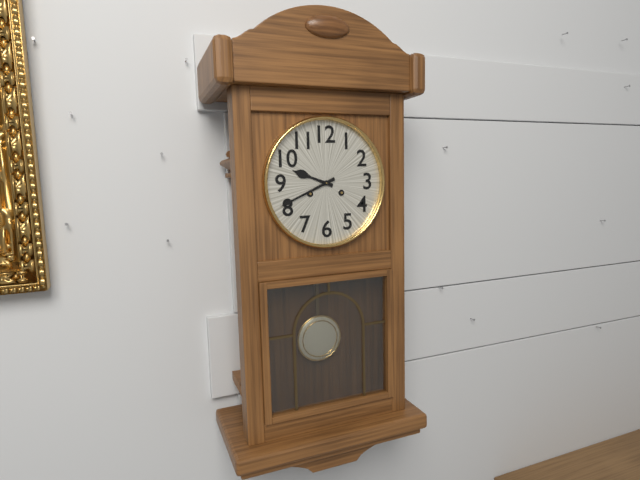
9:41
